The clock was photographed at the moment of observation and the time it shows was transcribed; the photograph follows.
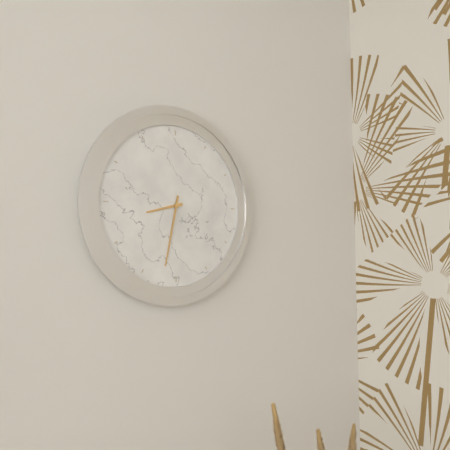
8:32
